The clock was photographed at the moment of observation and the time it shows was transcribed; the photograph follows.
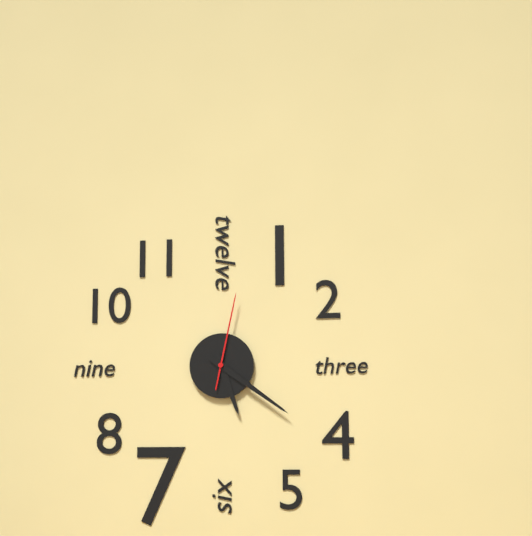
5:21:02
